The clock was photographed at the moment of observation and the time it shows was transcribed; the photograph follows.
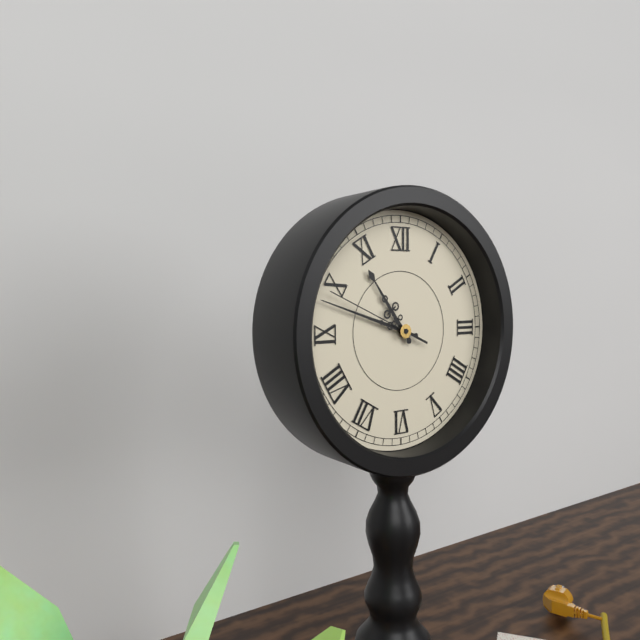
10:48:49
